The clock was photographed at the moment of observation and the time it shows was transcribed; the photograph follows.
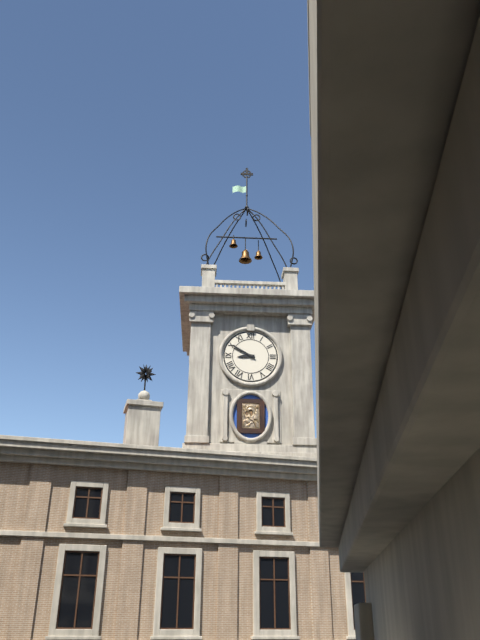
8:50
